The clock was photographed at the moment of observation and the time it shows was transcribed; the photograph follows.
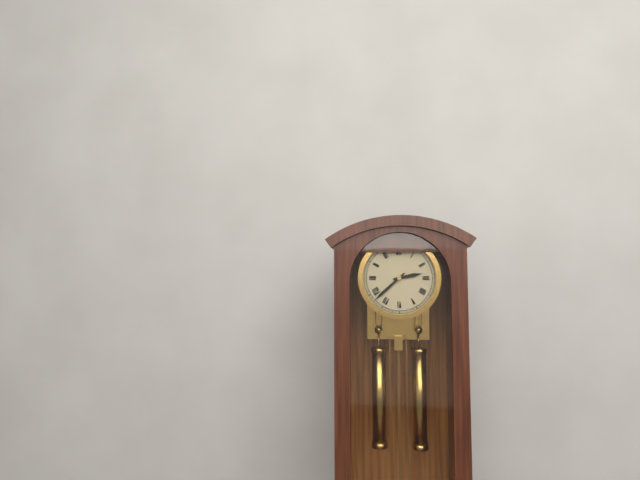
2:38
